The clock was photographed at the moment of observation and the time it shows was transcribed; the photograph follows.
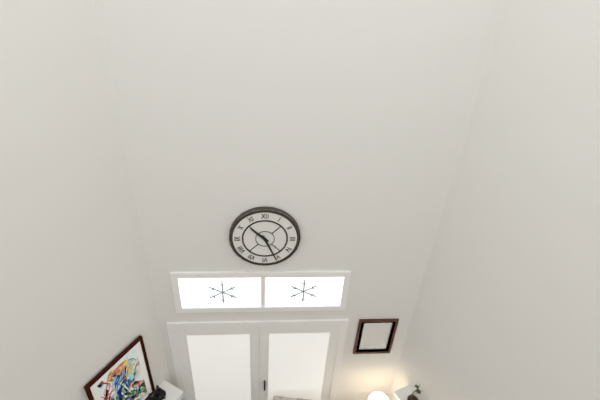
10:26
